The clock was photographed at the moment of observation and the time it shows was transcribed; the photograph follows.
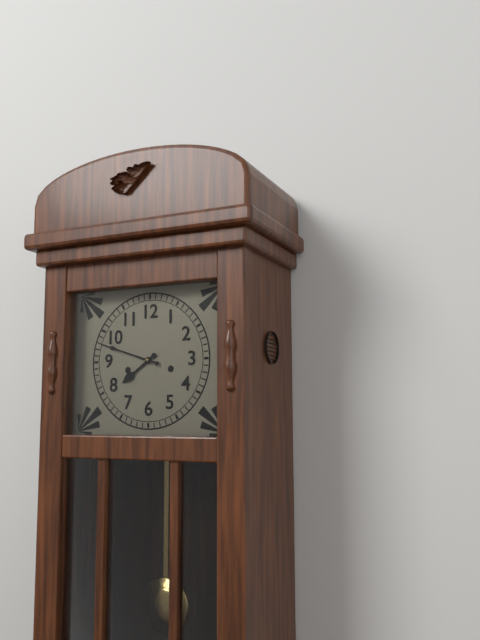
7:48
